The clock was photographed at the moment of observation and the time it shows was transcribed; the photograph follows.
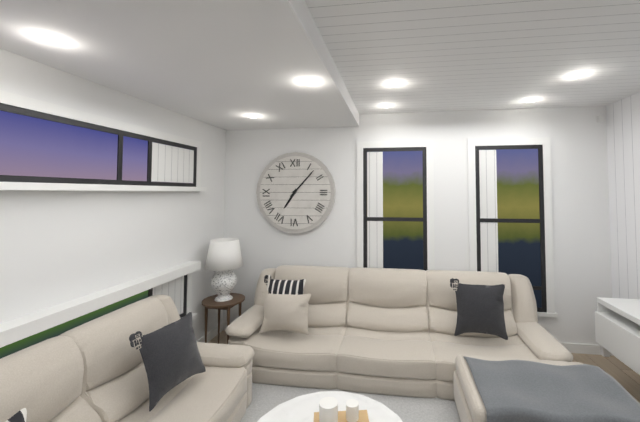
7:07
